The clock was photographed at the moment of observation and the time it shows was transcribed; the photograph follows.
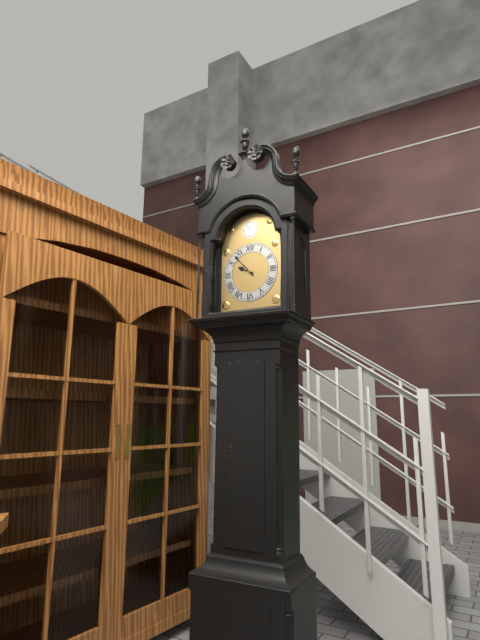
9:53
